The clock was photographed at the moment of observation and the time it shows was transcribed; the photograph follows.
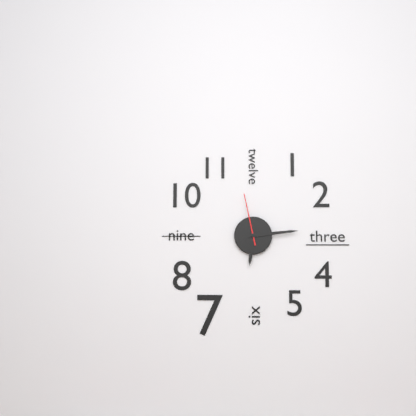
6:14:58
